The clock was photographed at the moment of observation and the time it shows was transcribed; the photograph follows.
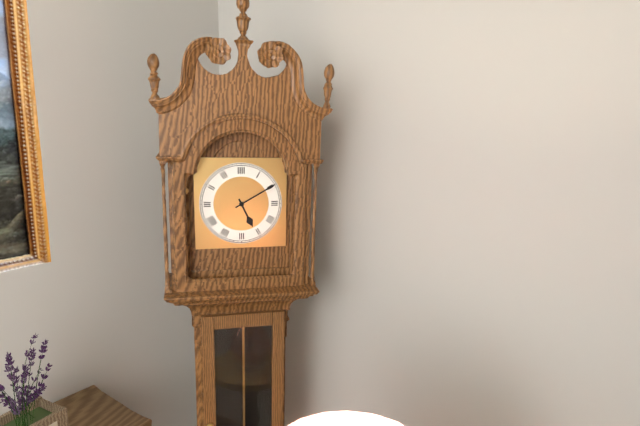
5:10
